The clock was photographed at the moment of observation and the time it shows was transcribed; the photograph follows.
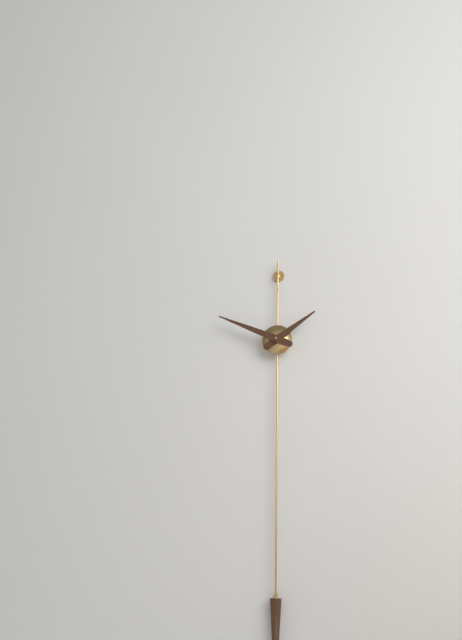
1:49
